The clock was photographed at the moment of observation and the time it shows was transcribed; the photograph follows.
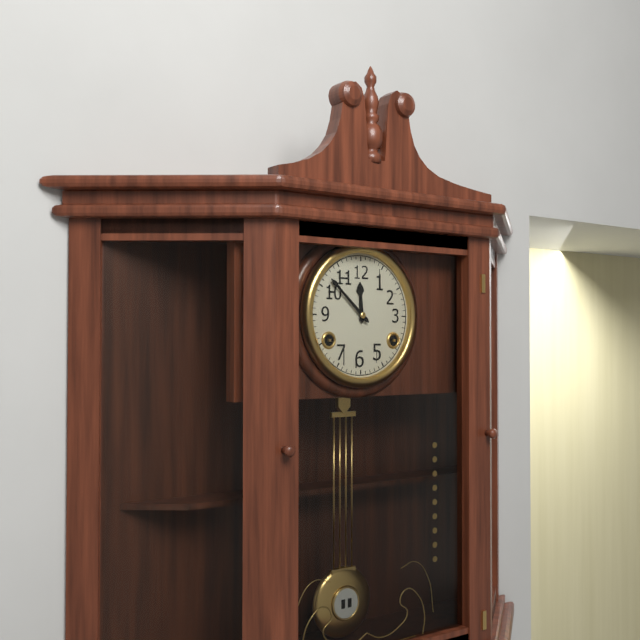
11:52
